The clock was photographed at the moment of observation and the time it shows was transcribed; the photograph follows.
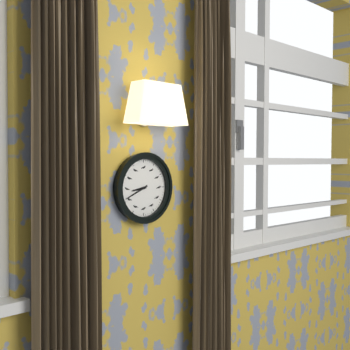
8:41
